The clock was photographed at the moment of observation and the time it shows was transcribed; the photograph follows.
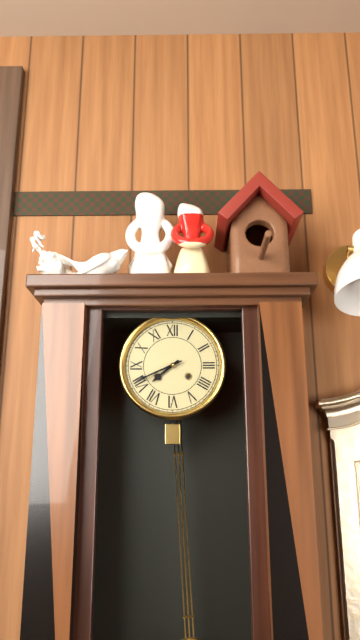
7:41
